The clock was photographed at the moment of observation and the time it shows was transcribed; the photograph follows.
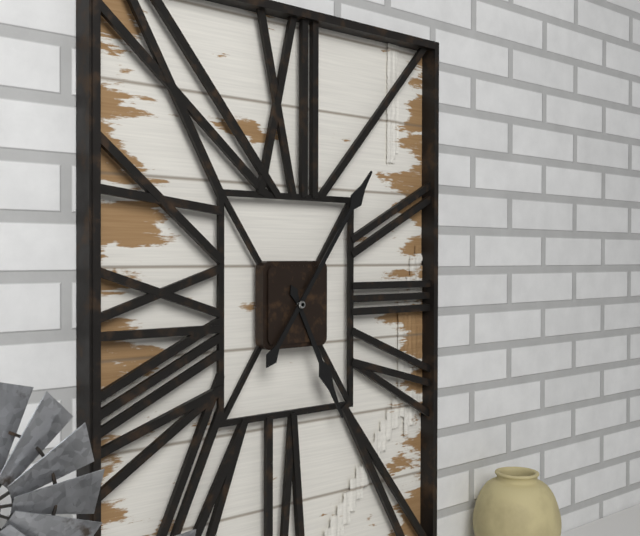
5:06
